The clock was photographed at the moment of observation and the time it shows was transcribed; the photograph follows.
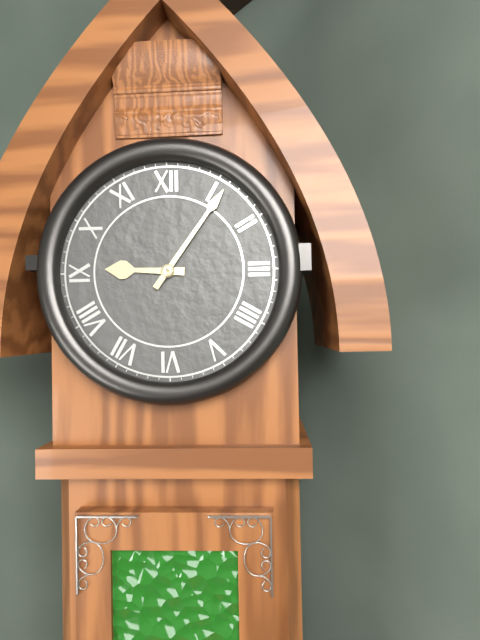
9:06
